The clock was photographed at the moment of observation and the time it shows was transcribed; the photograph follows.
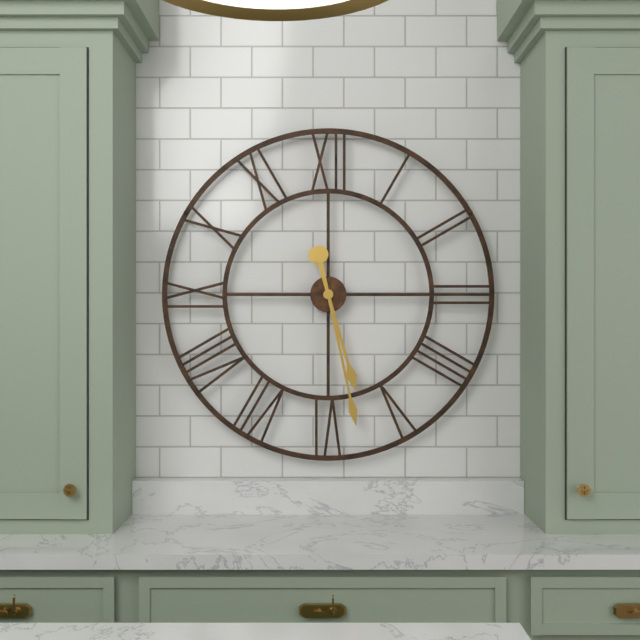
5:28
